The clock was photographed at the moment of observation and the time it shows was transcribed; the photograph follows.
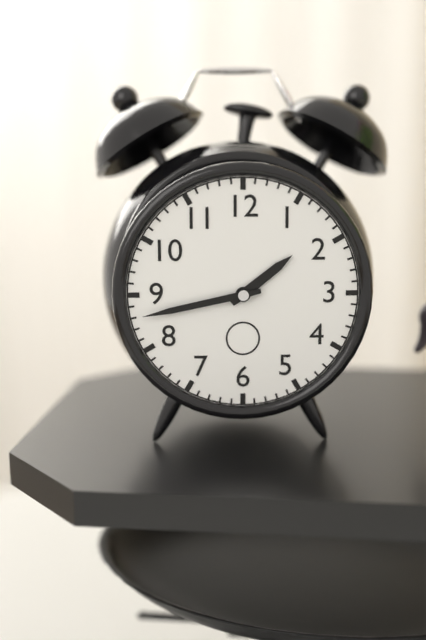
1:43
